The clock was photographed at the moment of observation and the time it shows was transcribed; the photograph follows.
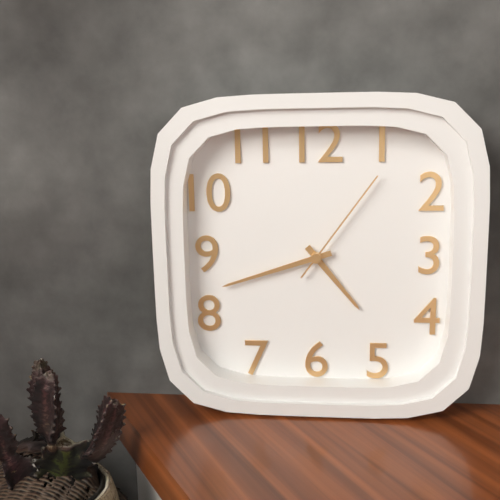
4:42:06
